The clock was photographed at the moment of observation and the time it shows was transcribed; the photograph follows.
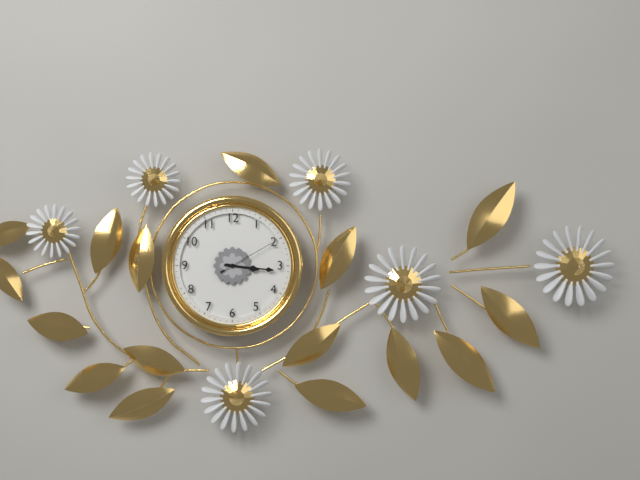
3:16:10
